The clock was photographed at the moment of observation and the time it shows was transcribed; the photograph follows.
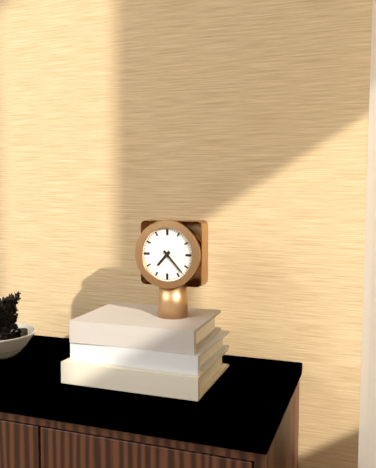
7:23
